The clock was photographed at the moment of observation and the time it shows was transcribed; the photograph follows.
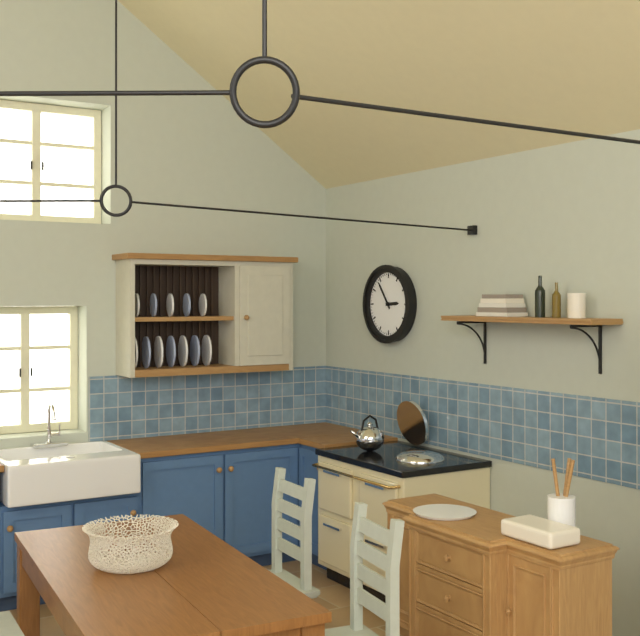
2:54
